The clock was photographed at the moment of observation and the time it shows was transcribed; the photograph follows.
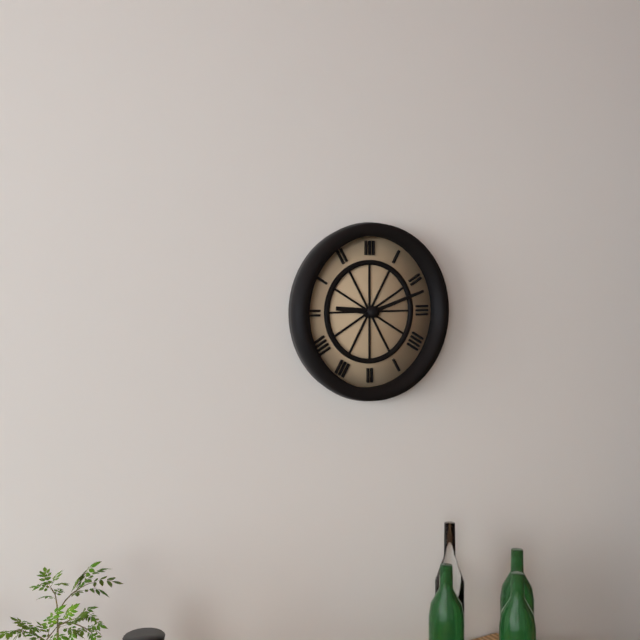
9:12
